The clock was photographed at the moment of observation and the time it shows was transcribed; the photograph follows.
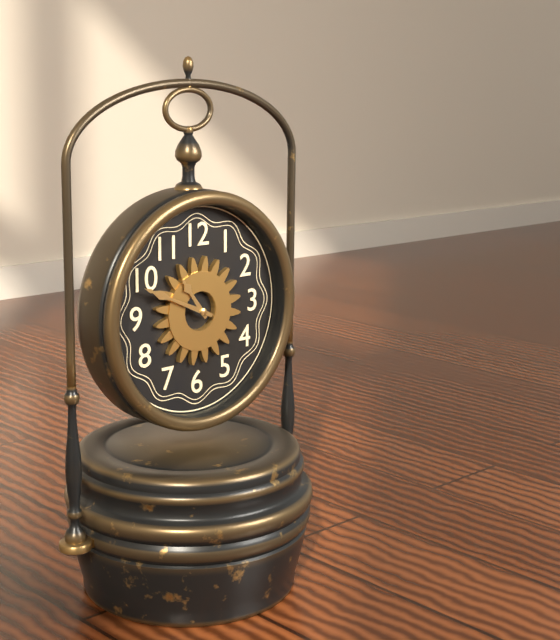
10:49
